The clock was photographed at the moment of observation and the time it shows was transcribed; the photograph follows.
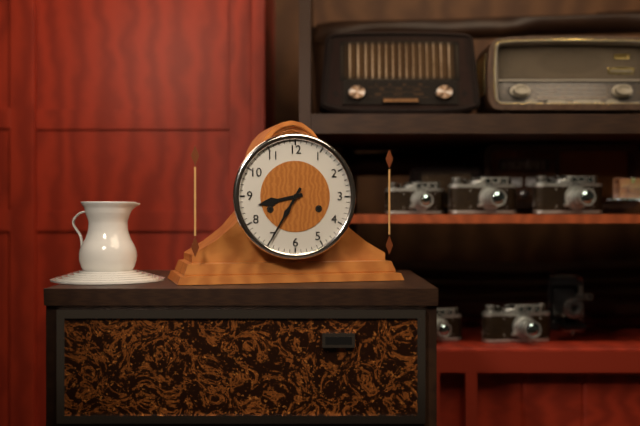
8:35
